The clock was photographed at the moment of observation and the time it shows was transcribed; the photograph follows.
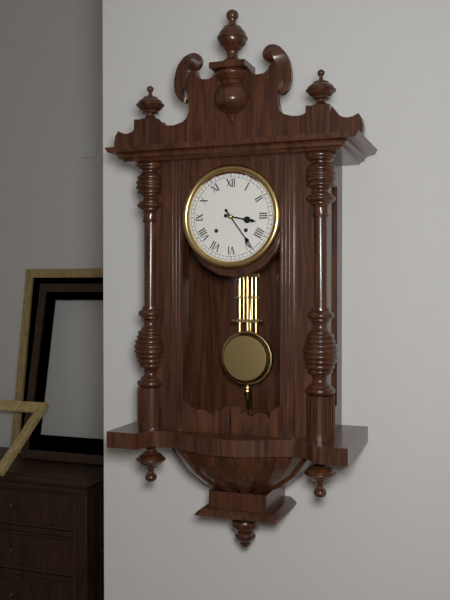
3:24
